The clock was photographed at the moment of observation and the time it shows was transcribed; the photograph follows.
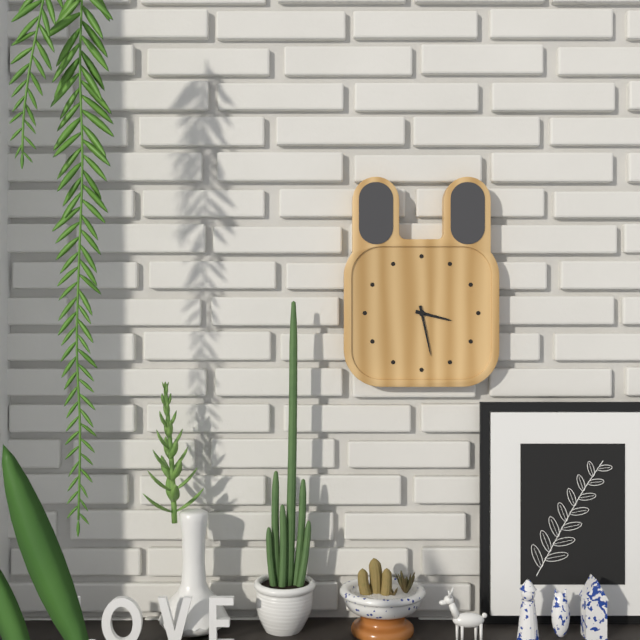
3:28
